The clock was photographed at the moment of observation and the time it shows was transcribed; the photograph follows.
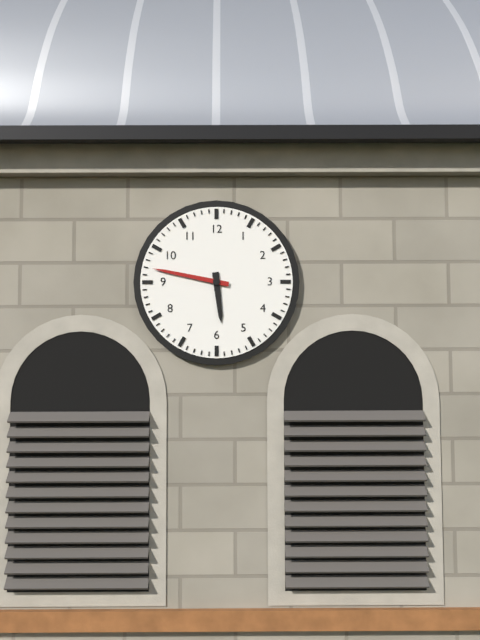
5:47
